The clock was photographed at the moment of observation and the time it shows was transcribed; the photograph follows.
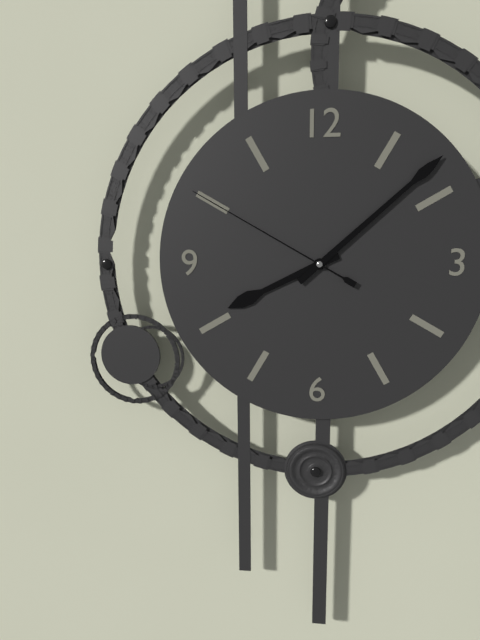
8:08:50
